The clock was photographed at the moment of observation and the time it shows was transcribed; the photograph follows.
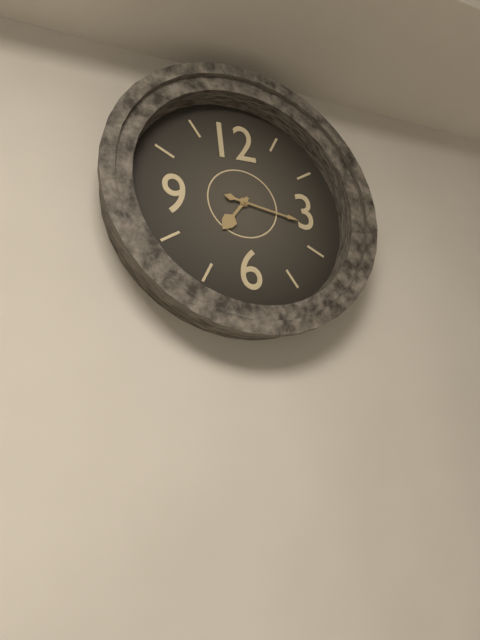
7:17
